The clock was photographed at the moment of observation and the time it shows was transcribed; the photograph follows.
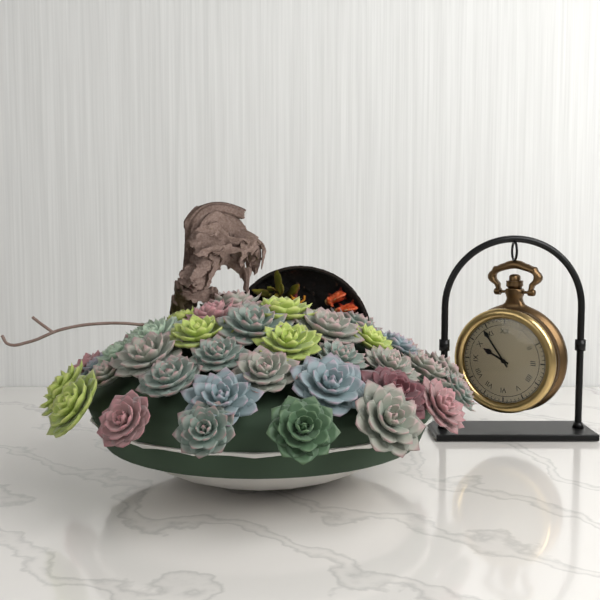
9:54
